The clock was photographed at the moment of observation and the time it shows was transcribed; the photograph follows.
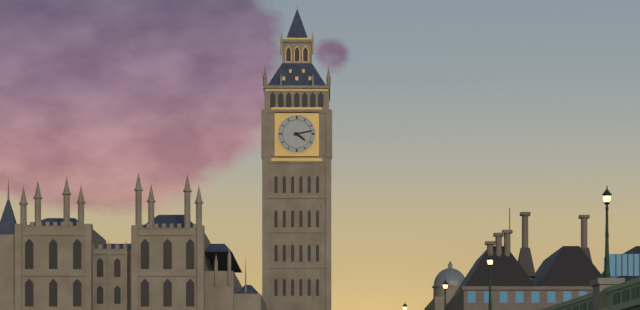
4:13
